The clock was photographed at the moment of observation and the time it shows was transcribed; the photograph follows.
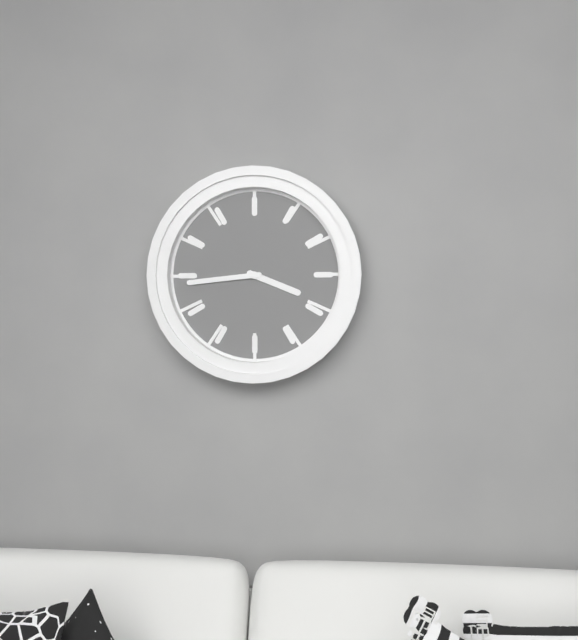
3:44
